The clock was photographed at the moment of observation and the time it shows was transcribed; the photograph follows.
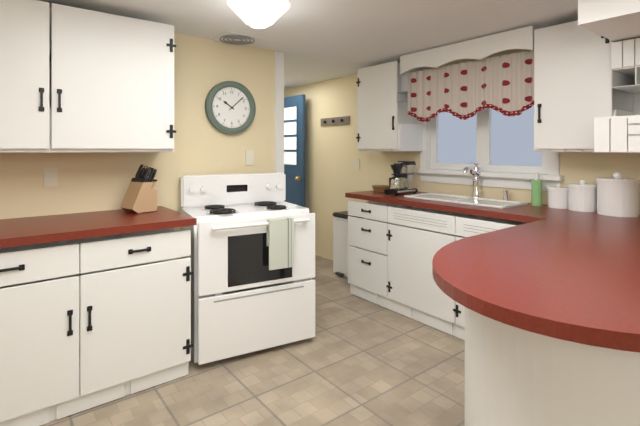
10:08
